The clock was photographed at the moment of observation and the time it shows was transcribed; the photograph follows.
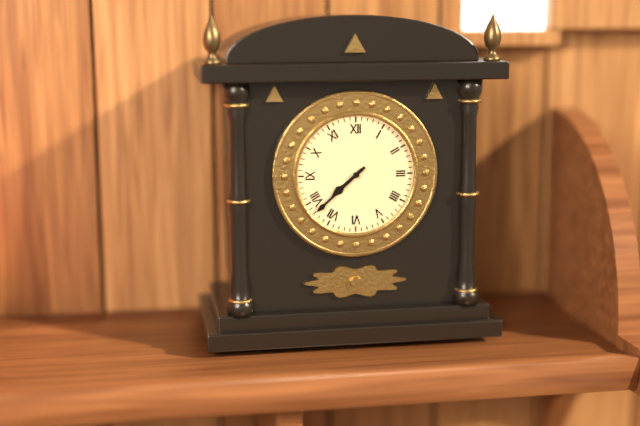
7:38
